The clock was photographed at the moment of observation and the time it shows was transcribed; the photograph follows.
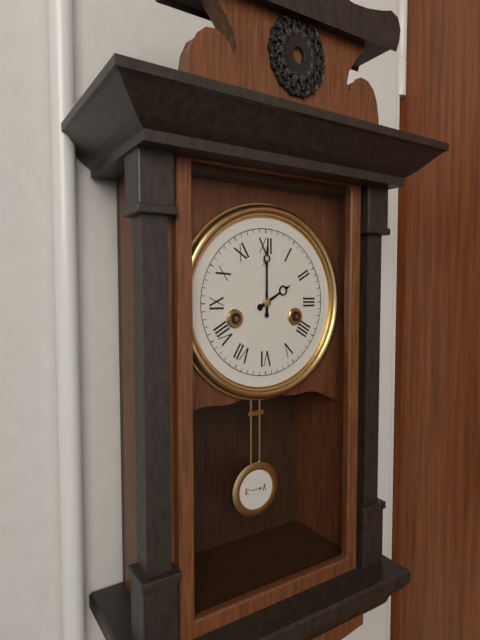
2:00
